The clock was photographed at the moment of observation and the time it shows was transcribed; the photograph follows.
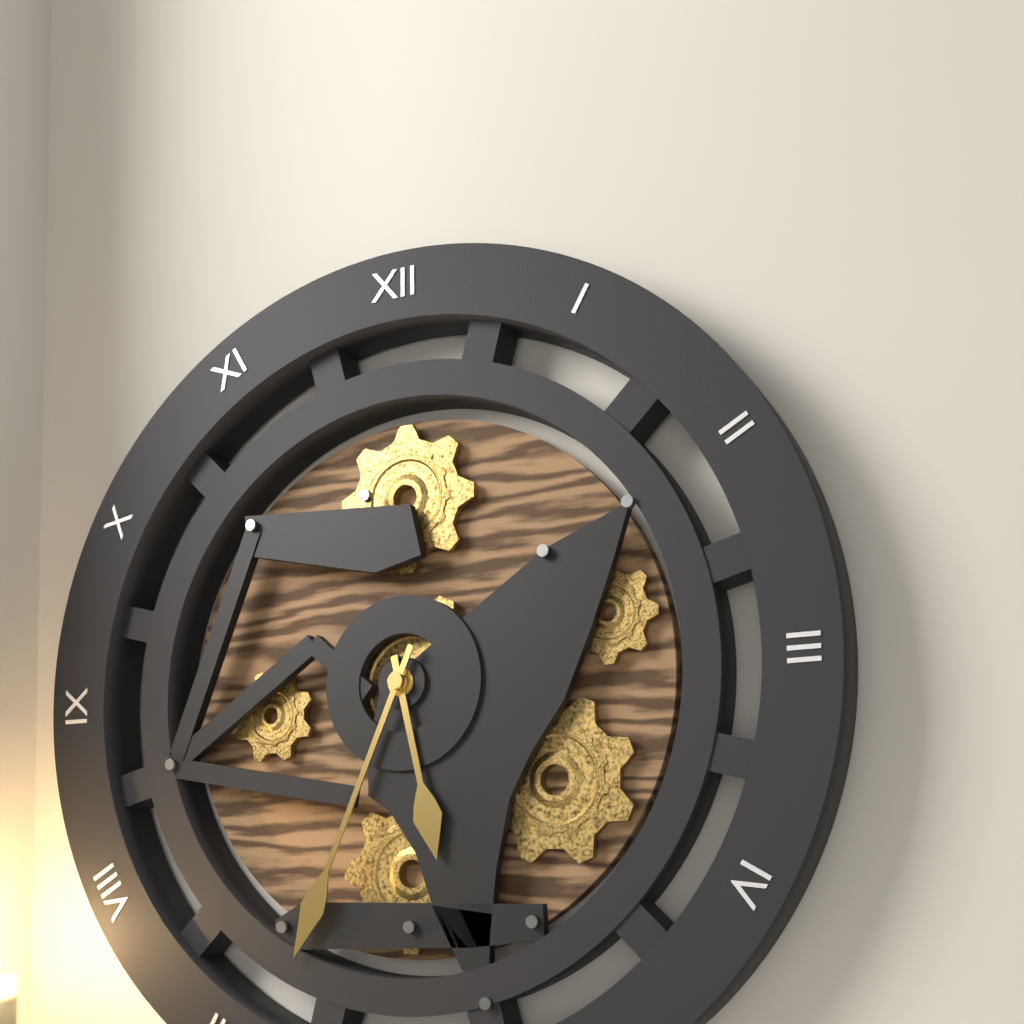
5:34
